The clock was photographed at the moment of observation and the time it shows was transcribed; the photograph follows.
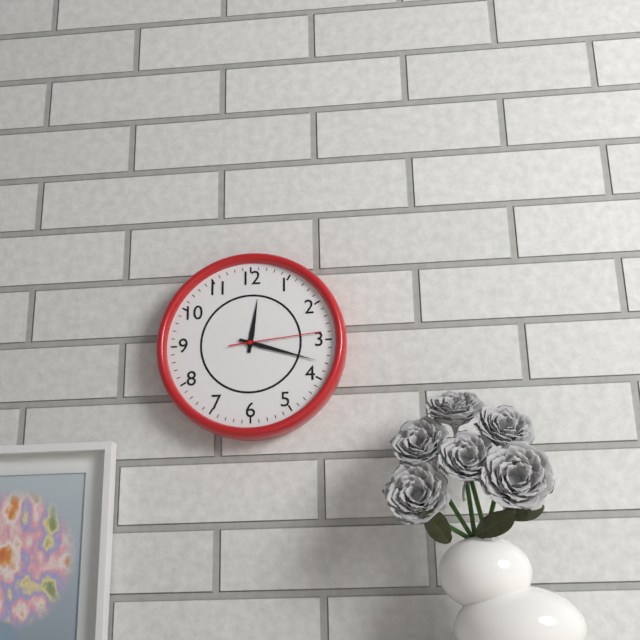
12:18:14
